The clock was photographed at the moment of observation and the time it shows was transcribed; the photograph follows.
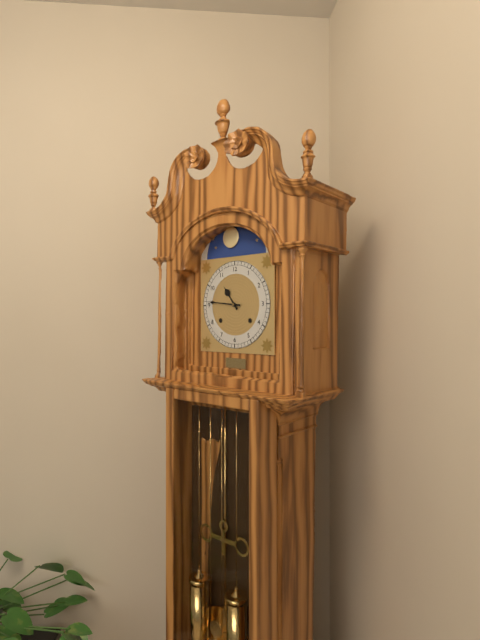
10:46
